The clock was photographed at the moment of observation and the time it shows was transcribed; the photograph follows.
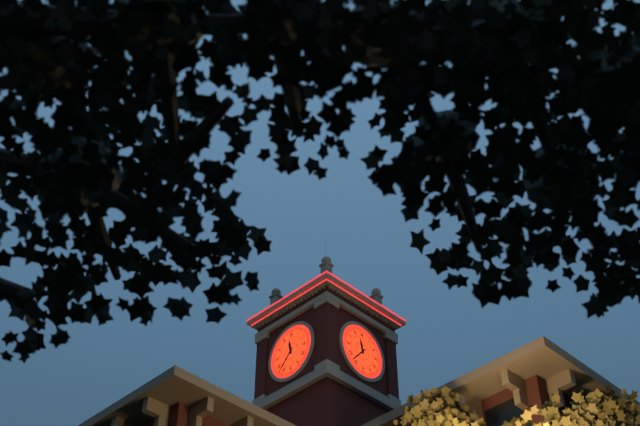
11:37
